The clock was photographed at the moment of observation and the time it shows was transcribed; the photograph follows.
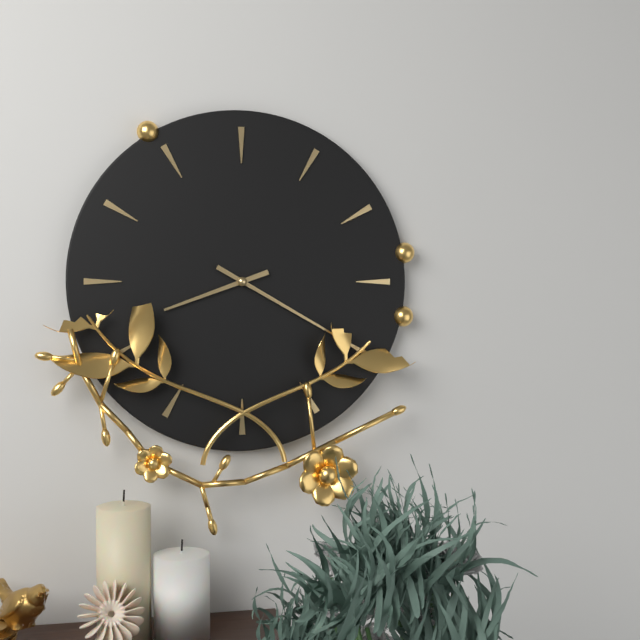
8:20
